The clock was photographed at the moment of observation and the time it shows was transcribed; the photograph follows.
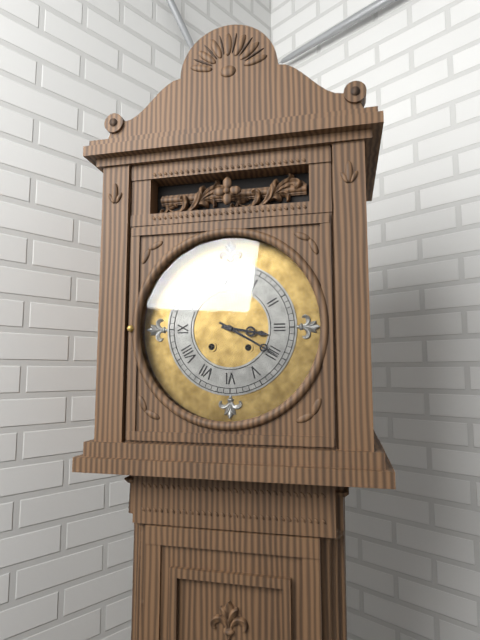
3:20
